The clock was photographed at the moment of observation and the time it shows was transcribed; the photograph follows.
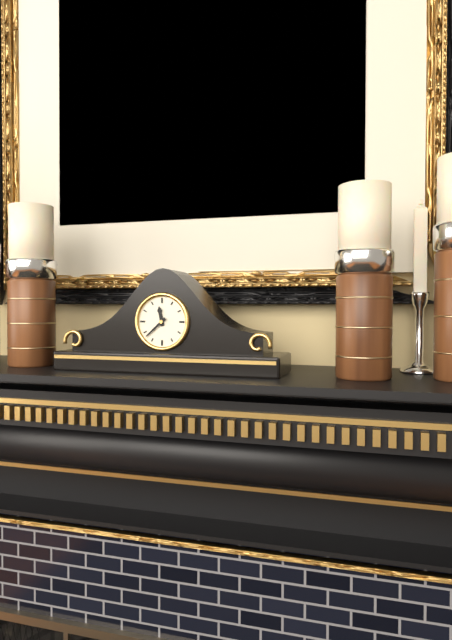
11:38
